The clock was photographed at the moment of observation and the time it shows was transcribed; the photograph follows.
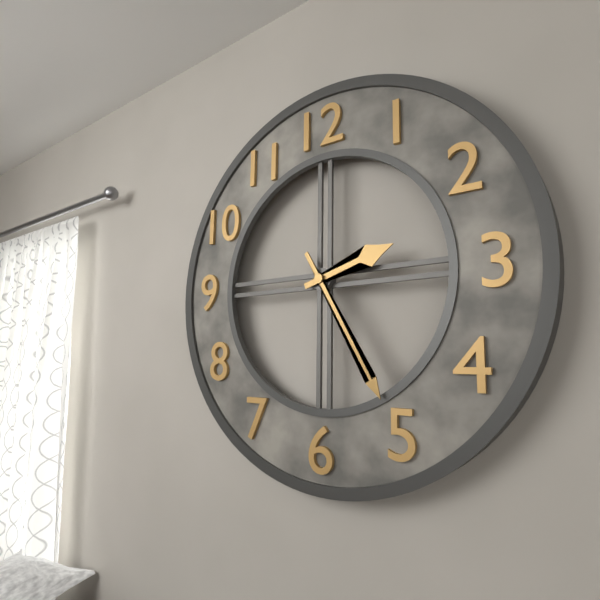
2:25
